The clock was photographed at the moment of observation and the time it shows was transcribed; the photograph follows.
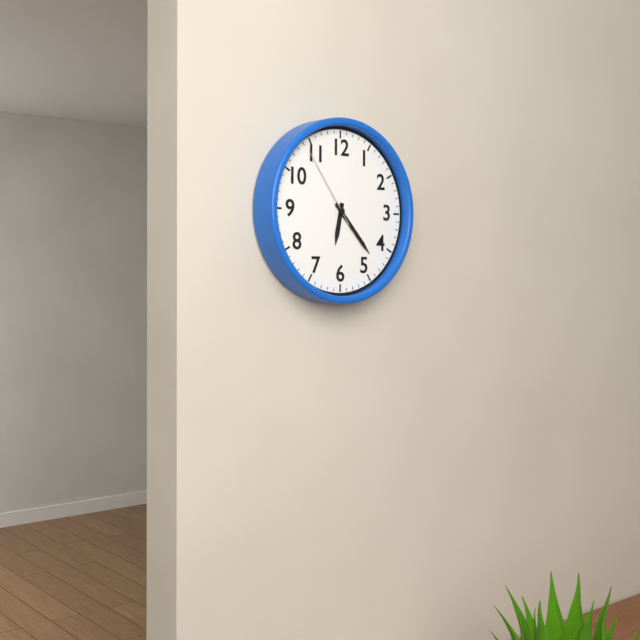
6:23:54
